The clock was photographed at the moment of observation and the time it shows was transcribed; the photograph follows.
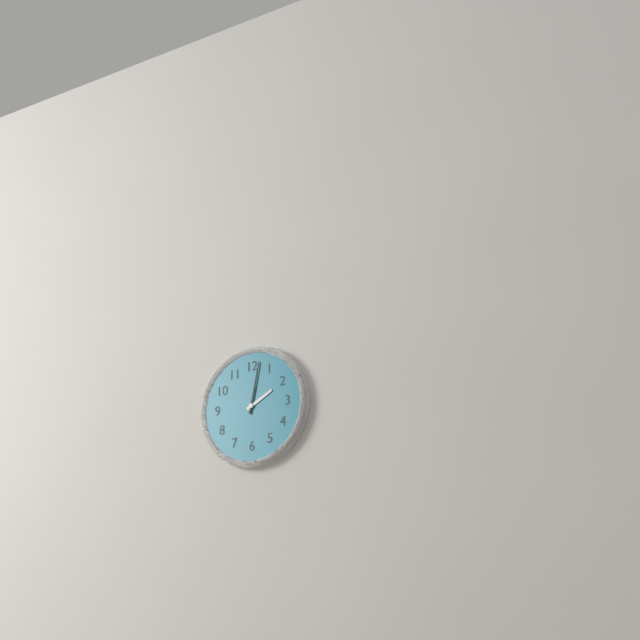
2:02
